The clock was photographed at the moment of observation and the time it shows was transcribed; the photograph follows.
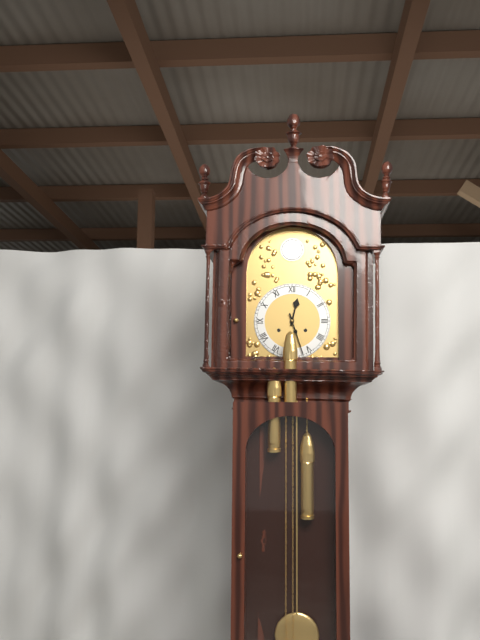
12:27
